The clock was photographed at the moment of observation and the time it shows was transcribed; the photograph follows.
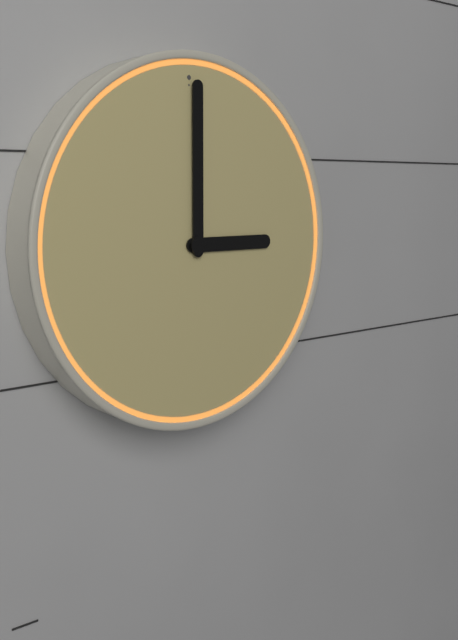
3:00
